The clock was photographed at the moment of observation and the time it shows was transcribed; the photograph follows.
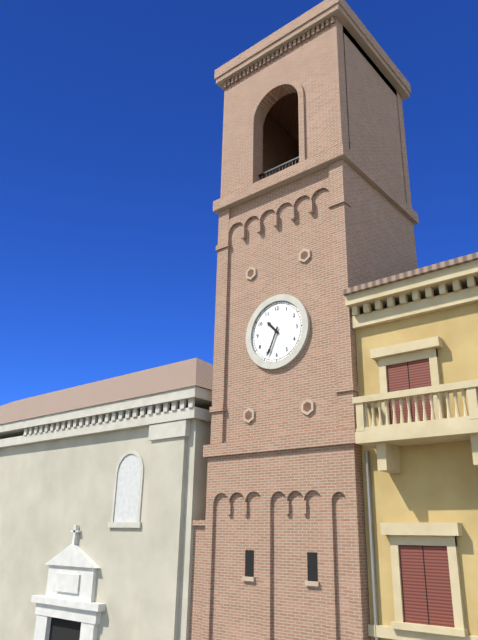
10:34
